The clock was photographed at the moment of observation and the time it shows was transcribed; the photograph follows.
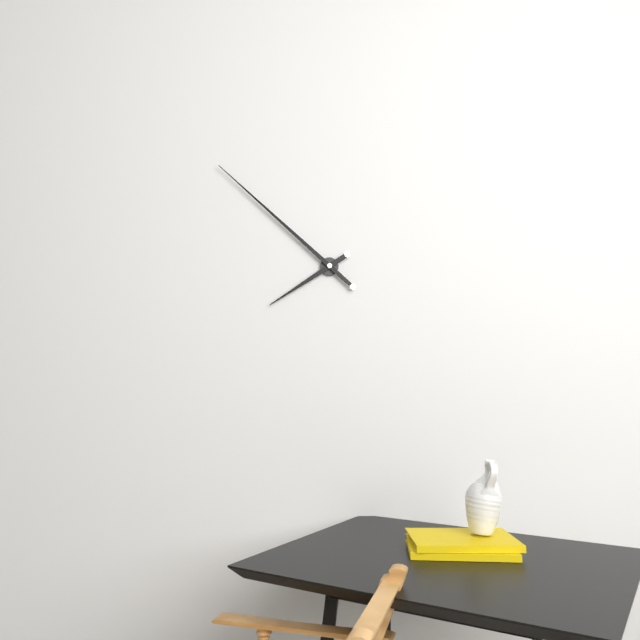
7:52
